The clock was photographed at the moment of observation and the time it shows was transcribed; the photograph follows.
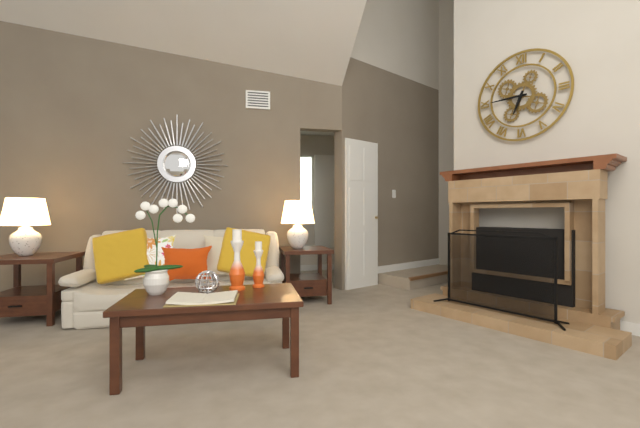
6:45
